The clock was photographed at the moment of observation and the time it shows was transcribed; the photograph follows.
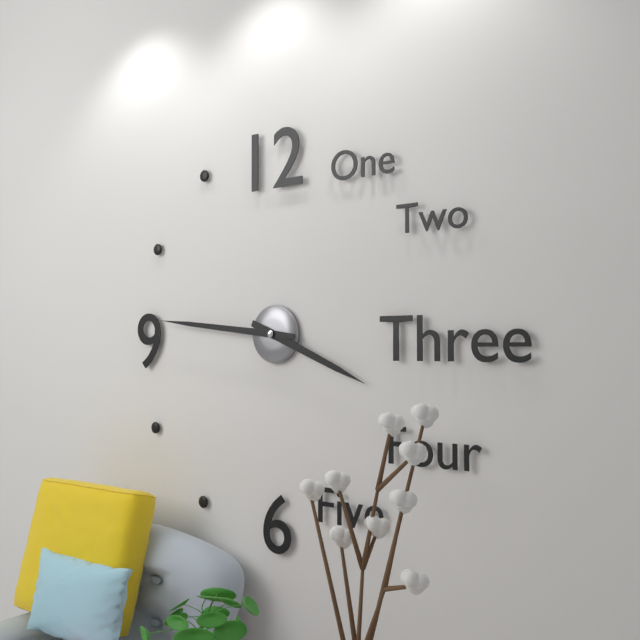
3:46
